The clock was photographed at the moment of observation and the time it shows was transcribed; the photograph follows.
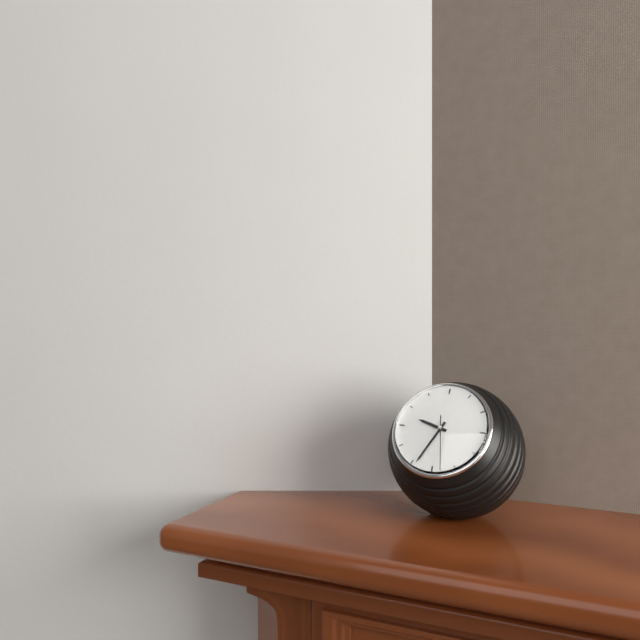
9:34
